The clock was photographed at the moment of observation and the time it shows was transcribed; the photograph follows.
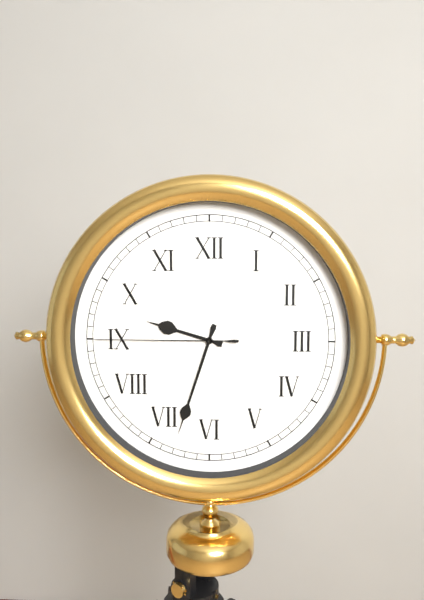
9:33:45
